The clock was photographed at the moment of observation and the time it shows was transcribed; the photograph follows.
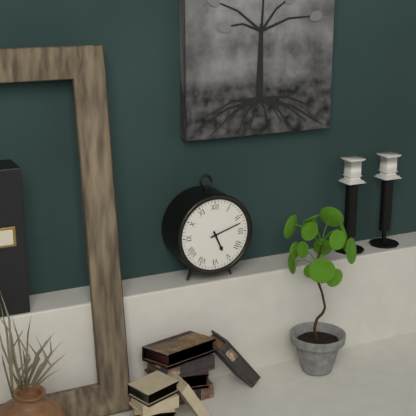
5:12
